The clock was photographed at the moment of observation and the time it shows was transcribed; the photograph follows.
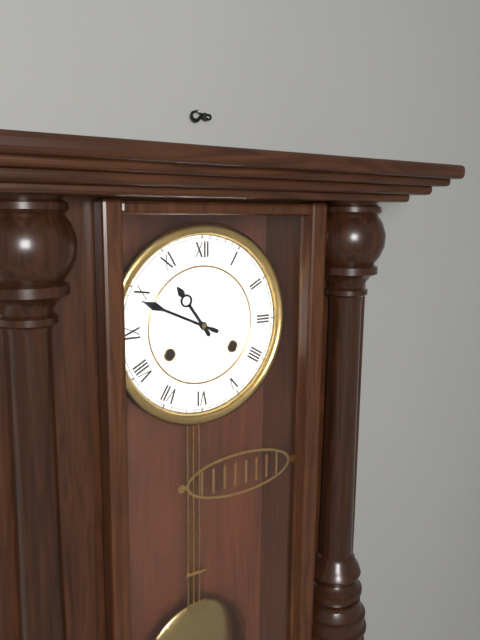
10:49
